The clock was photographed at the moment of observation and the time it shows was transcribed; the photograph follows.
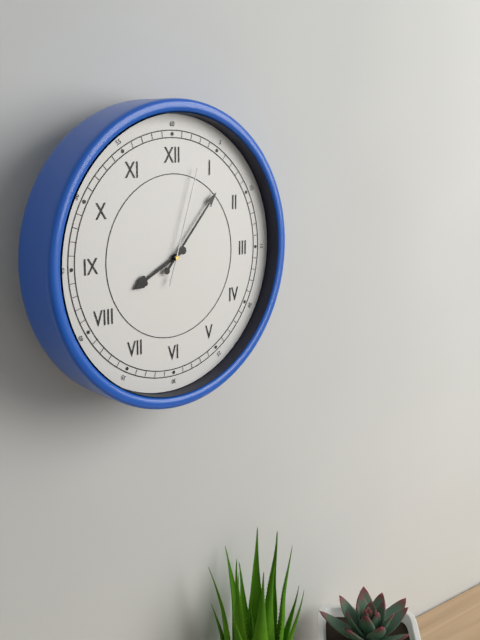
8:07:03
